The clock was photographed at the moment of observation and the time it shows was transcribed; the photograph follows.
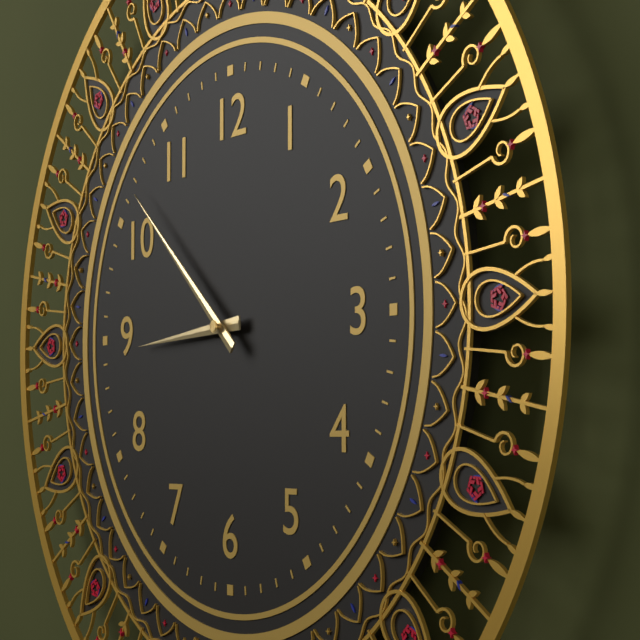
8:52
